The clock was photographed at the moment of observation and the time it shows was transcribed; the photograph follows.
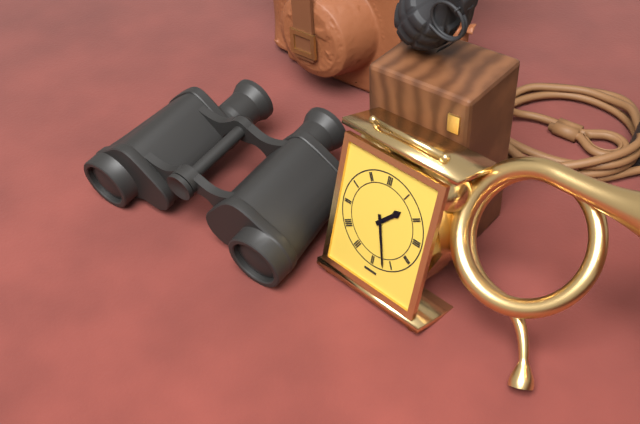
1:27
